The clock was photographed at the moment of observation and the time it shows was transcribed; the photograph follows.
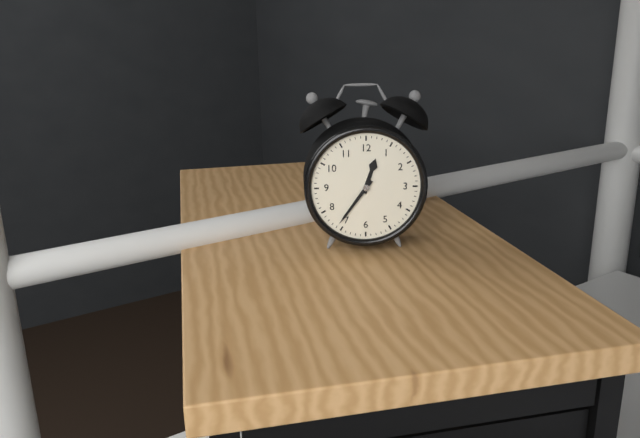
12:36
